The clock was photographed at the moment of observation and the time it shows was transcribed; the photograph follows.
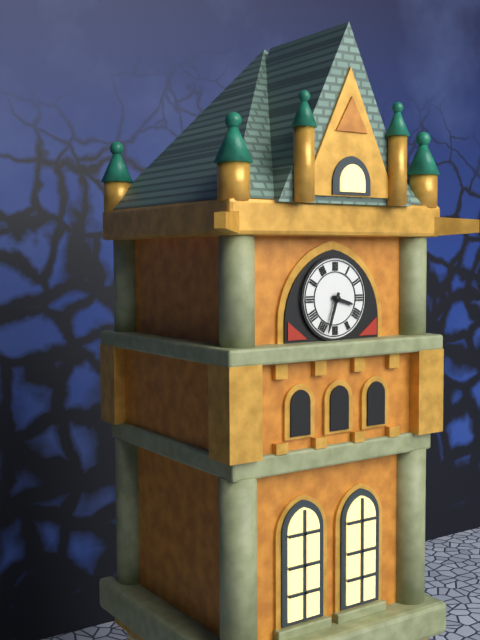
3:33
